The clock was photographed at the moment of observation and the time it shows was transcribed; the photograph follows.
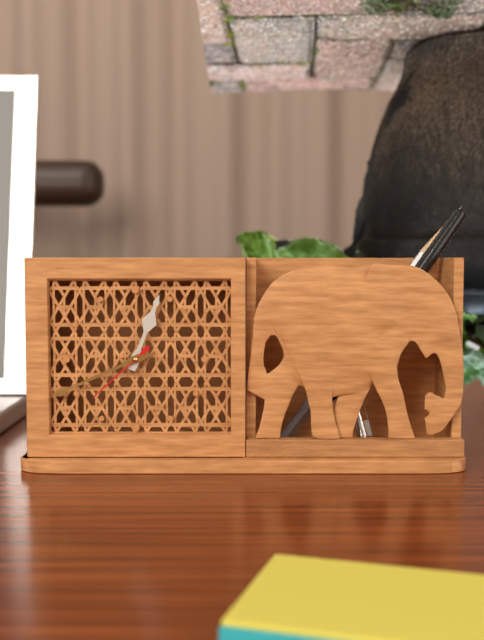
12:41:38
